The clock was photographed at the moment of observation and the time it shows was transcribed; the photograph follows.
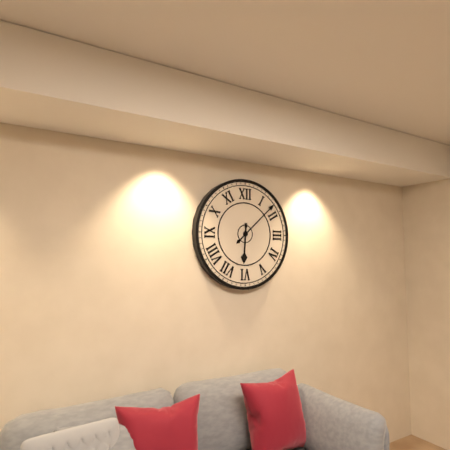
6:08
